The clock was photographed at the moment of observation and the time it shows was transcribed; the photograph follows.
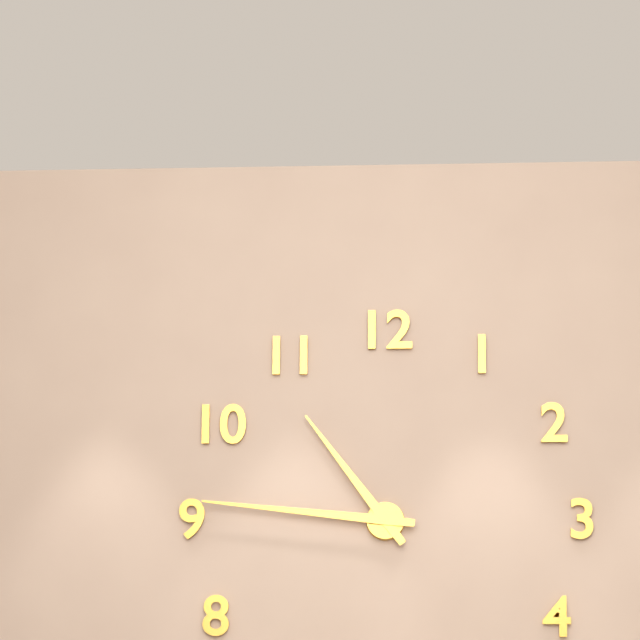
10:46
